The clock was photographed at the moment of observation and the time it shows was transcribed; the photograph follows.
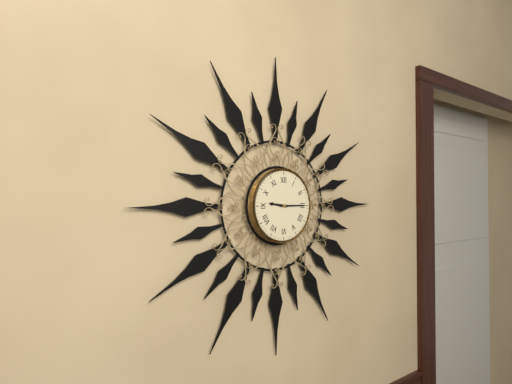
9:15
